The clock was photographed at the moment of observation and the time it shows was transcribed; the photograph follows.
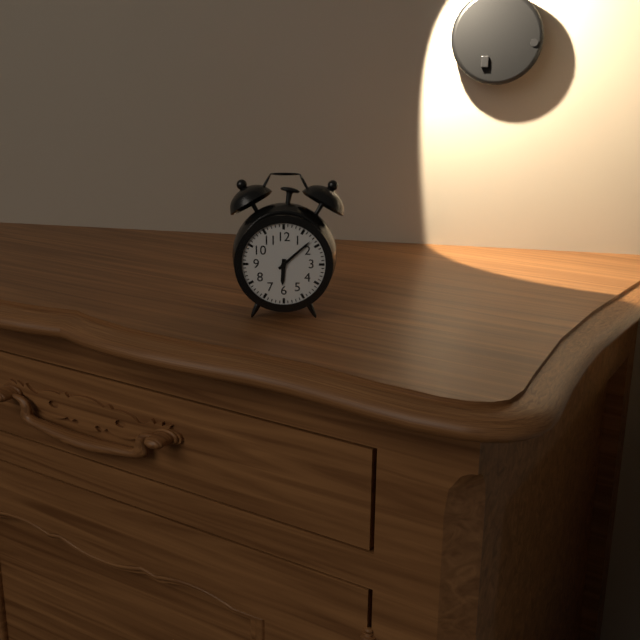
6:08
